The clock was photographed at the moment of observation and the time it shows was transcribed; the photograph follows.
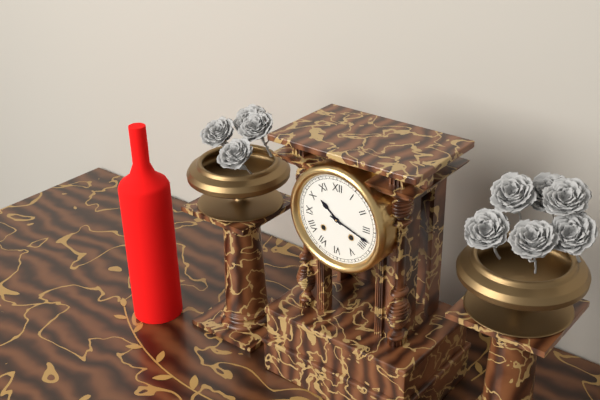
10:18
